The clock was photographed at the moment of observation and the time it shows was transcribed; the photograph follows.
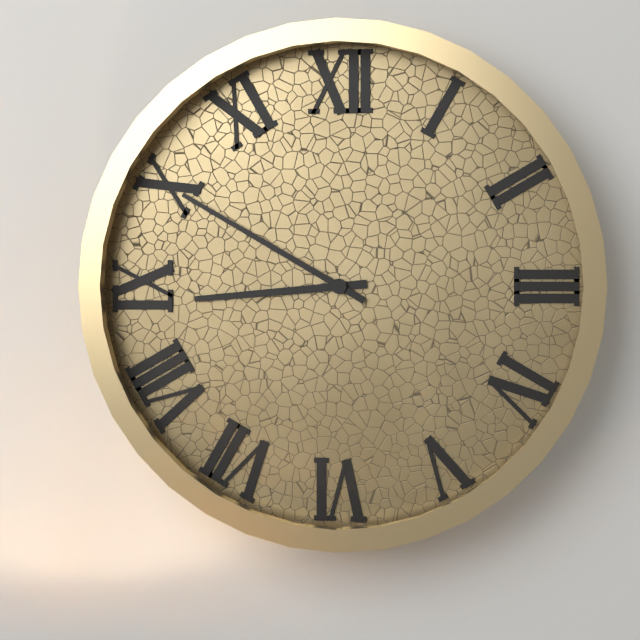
8:50
